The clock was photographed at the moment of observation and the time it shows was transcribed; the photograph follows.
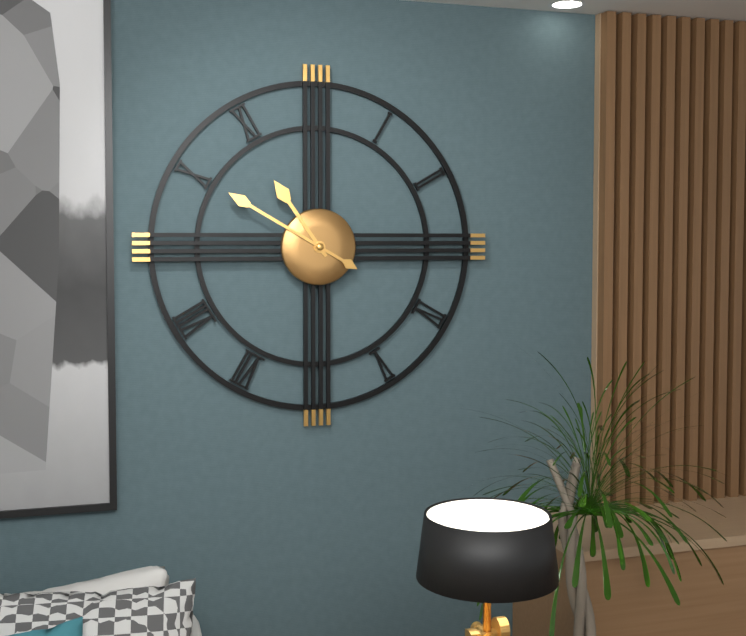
10:50
